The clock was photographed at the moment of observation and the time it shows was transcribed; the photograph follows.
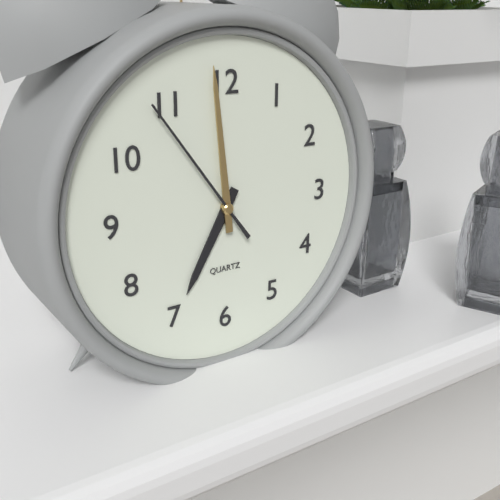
6:59:54
